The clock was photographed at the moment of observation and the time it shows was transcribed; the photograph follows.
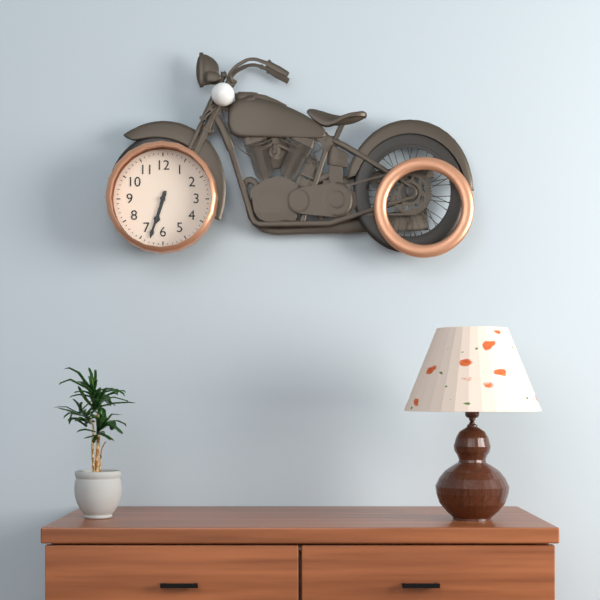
6:33
